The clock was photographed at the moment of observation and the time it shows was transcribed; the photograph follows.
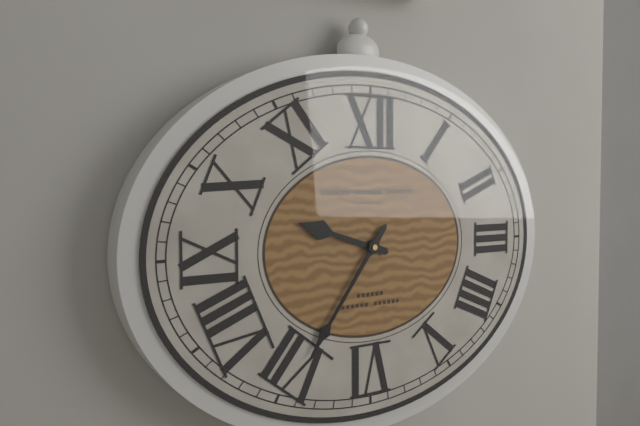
9:36
